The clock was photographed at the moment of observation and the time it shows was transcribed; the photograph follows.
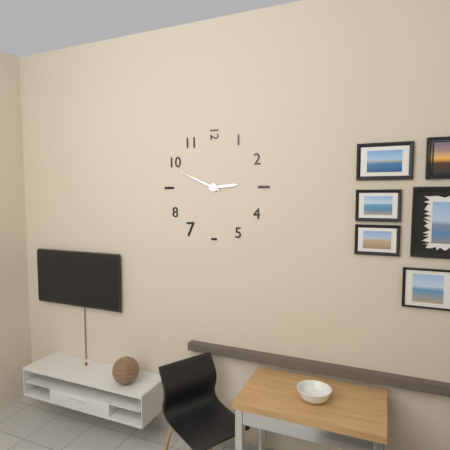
2:49
